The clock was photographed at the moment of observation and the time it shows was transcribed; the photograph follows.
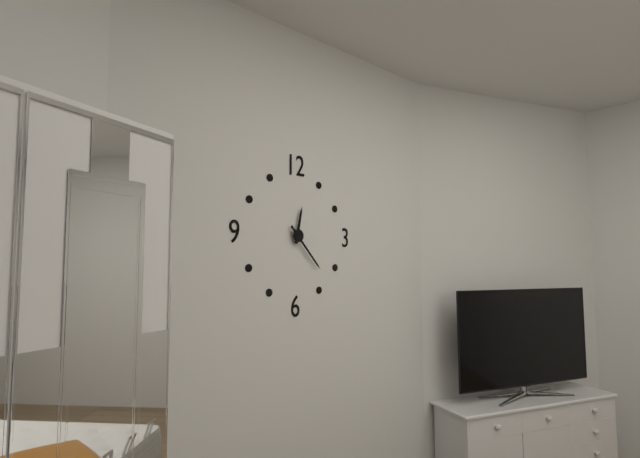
12:23
